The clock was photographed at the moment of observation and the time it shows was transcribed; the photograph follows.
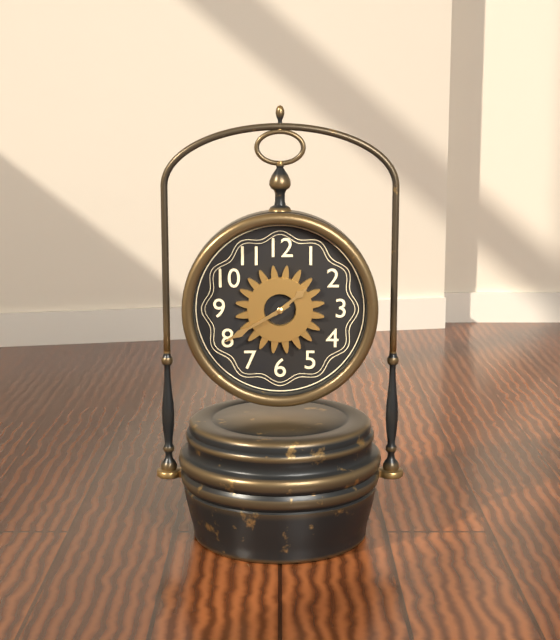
1:40
